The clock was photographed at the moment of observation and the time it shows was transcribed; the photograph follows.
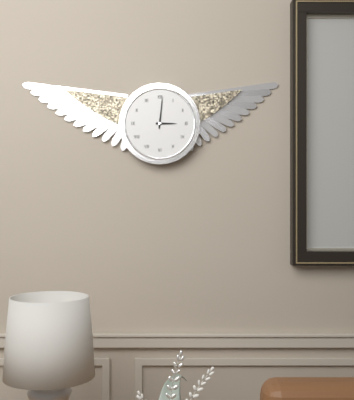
3:01
